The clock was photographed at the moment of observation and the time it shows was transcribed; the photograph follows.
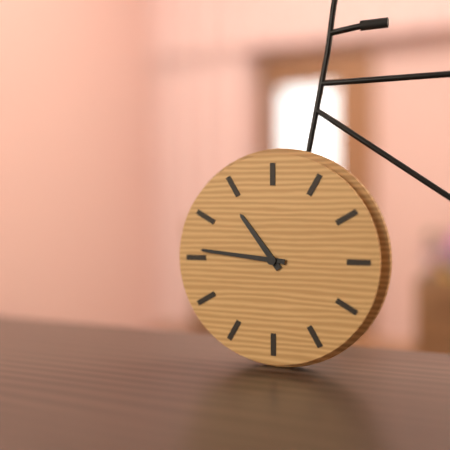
10:46
